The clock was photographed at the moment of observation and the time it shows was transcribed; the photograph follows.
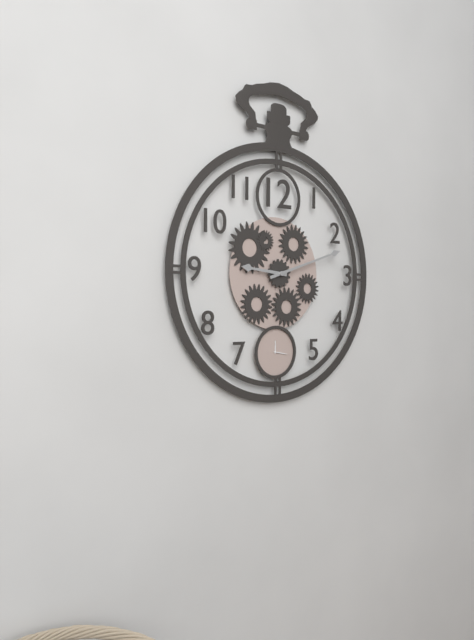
9:12
